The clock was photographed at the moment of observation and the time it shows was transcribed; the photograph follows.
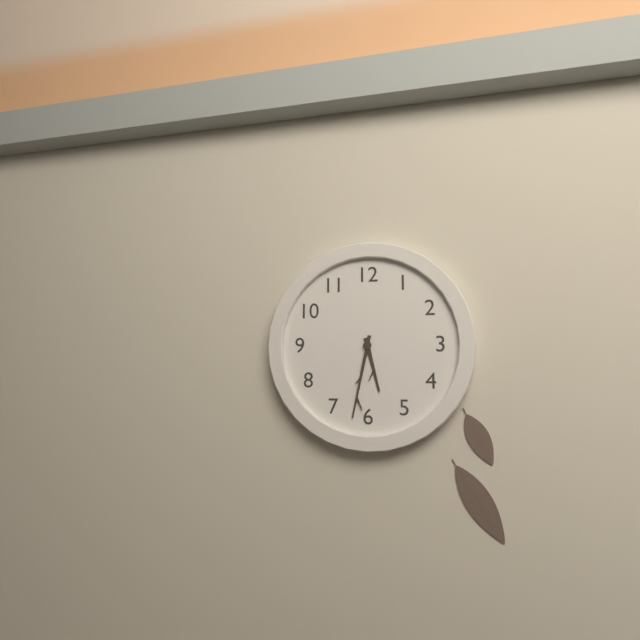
5:32
